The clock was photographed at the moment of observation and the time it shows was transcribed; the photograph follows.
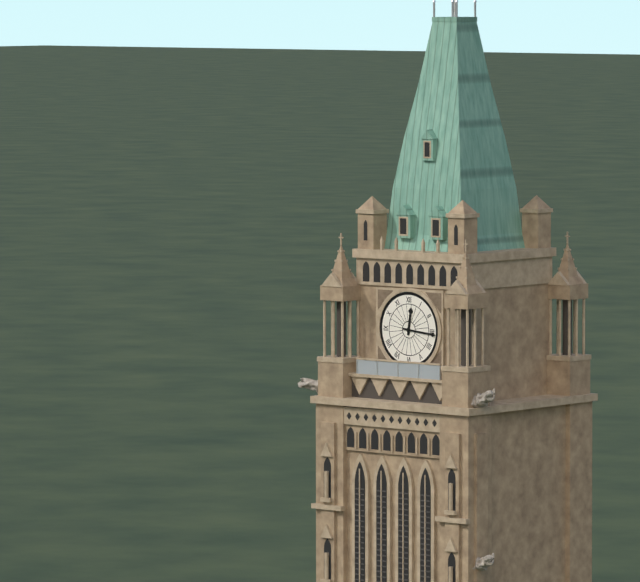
12:16
